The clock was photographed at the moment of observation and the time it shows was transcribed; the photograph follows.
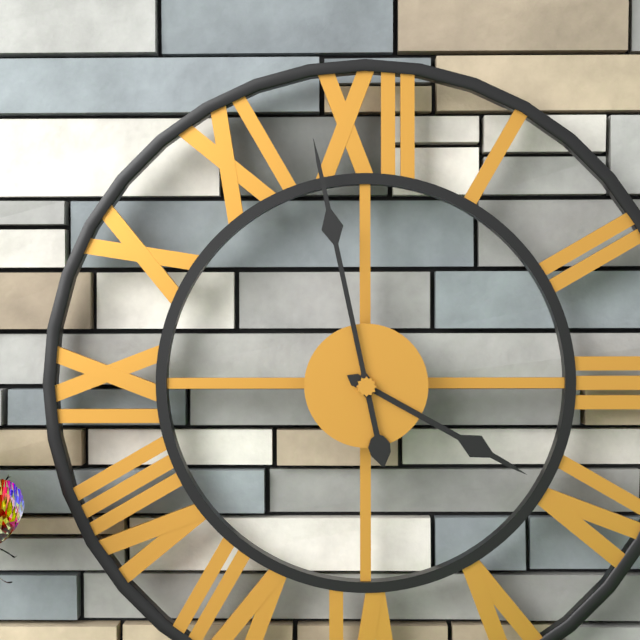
3:58
